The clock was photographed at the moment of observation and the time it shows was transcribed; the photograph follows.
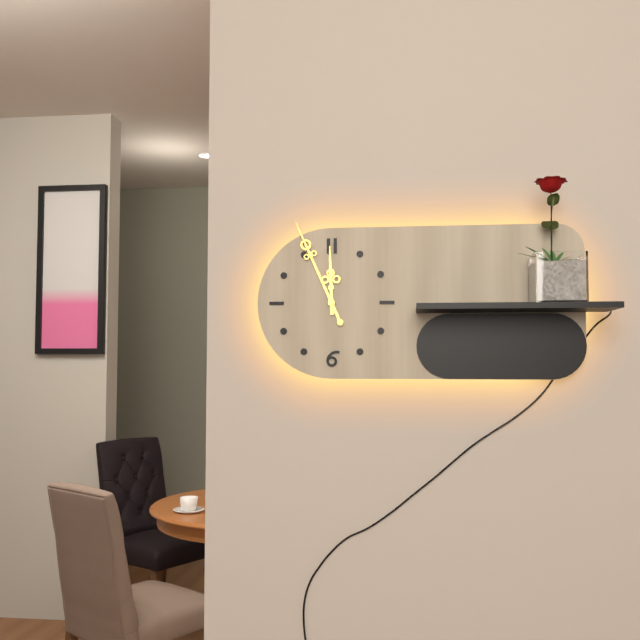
11:56
